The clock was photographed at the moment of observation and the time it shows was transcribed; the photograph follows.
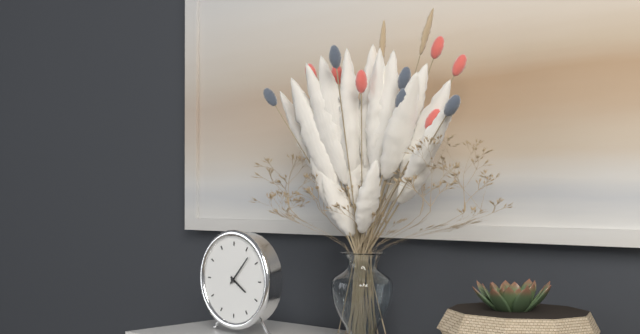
4:07
